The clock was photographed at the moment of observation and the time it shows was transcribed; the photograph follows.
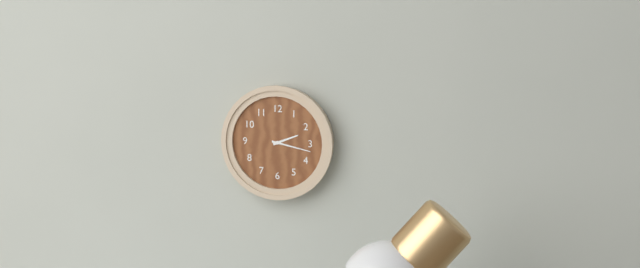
2:17
